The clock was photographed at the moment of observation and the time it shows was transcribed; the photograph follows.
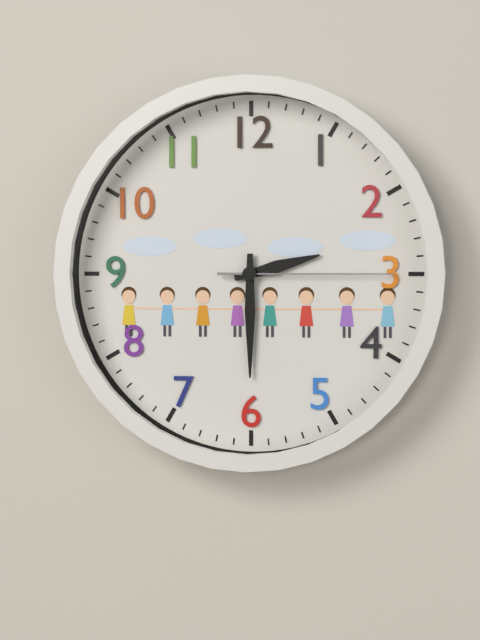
2:30:15
